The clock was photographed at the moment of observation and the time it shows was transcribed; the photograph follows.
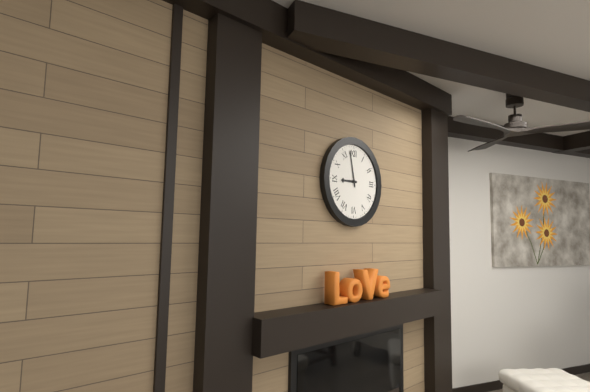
8:58
